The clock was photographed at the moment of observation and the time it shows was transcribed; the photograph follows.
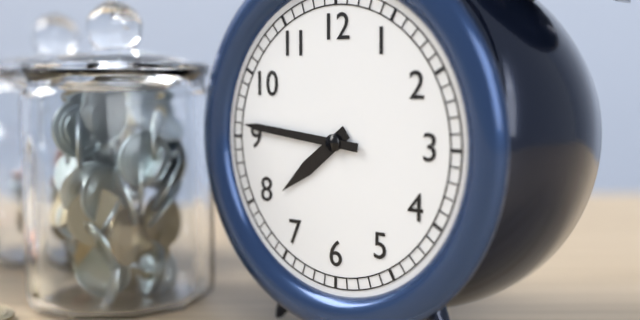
7:46
